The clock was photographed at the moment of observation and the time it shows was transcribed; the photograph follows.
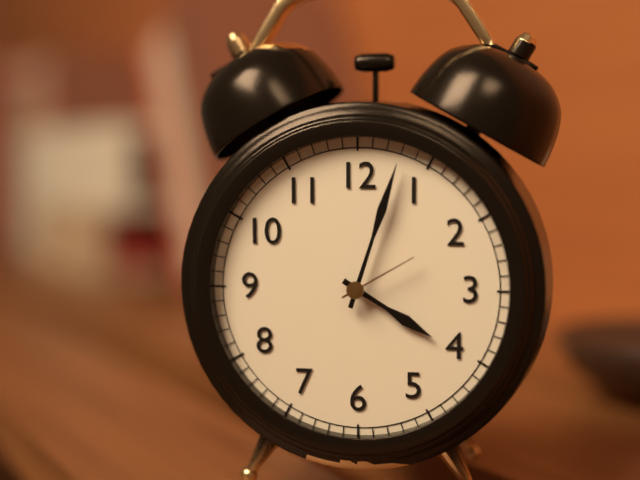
4:03:10
